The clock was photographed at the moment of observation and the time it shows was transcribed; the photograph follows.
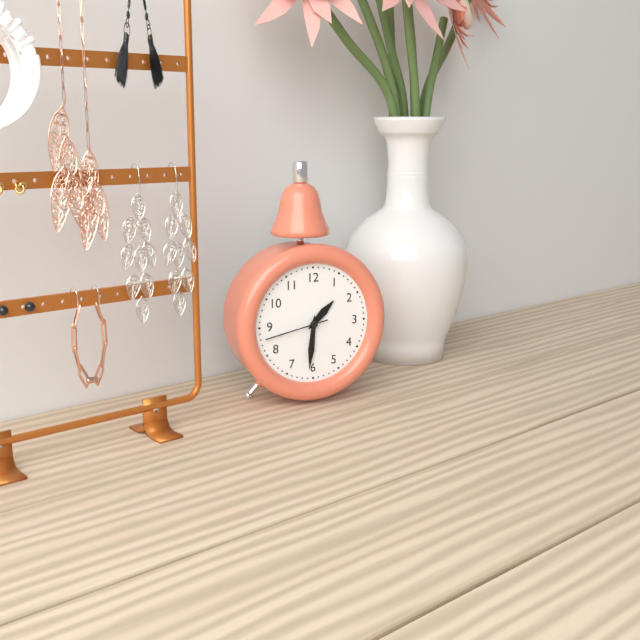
1:31:43
